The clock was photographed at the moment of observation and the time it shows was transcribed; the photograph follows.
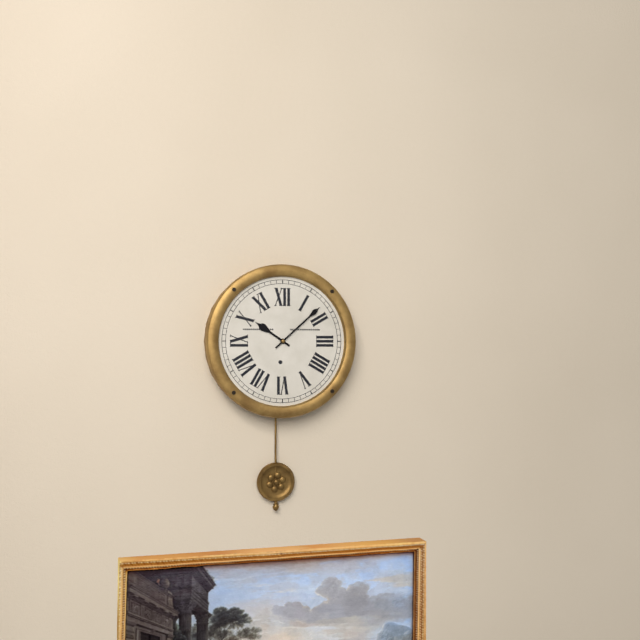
10:08
